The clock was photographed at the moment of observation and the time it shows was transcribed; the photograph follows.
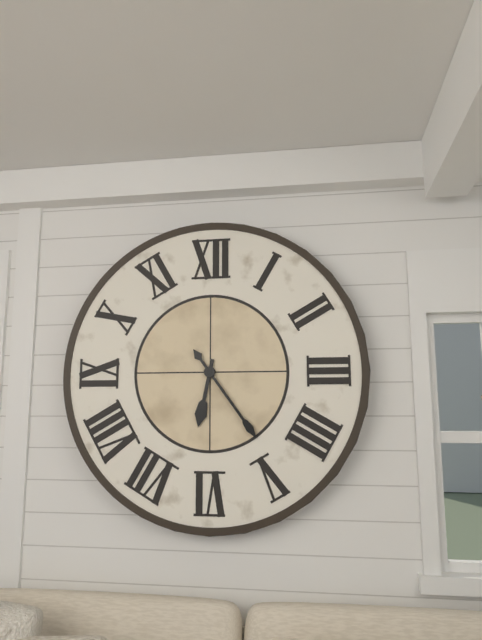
6:24
